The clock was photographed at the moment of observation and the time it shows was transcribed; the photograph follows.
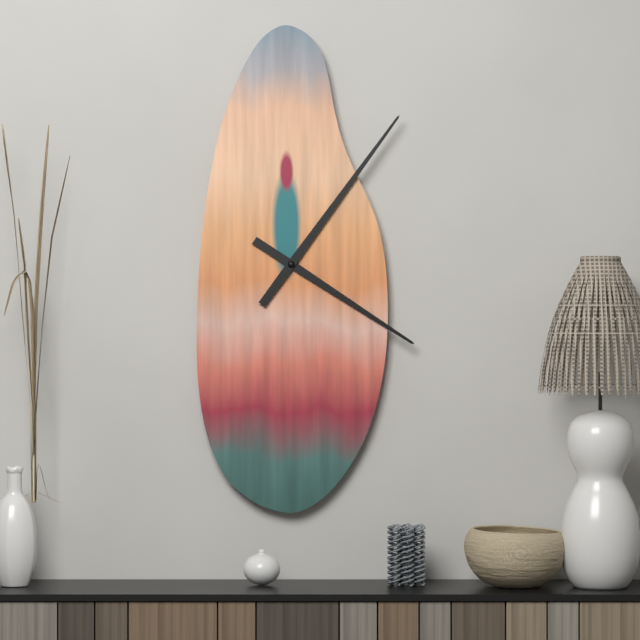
4:06
